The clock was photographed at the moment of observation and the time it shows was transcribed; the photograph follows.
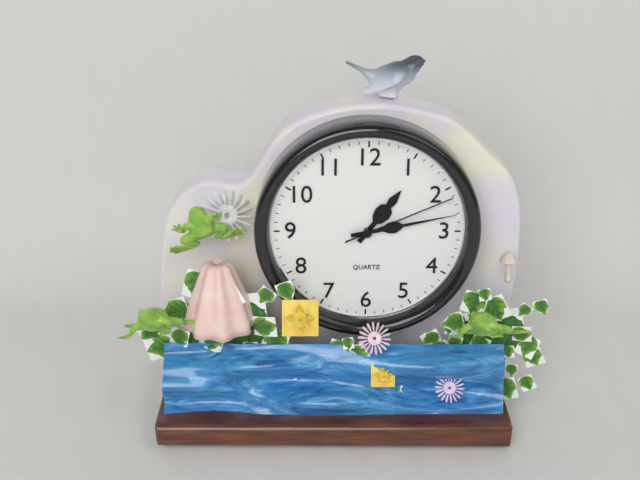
1:13:11
